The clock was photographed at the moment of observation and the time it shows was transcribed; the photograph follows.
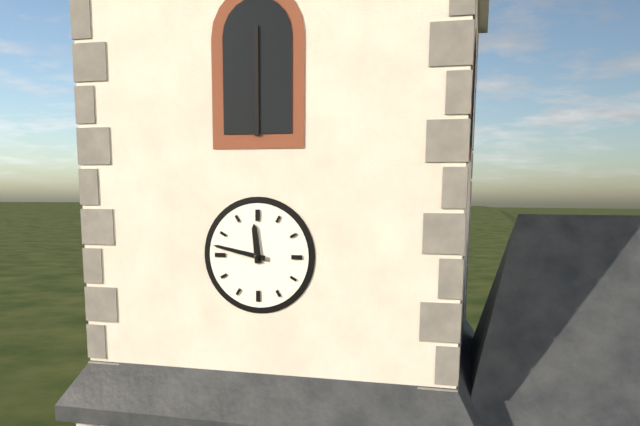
11:47
